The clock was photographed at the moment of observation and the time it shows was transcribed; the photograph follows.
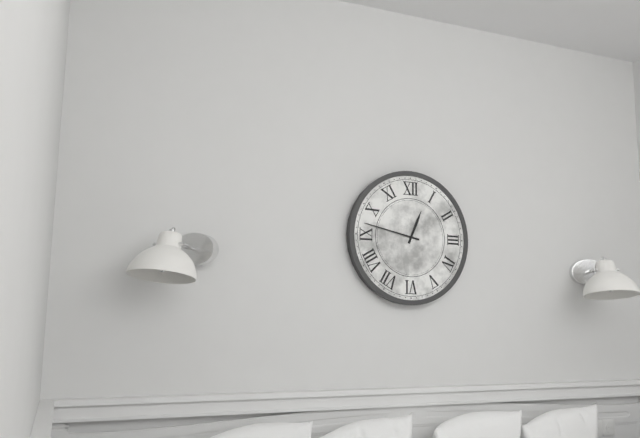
12:47
